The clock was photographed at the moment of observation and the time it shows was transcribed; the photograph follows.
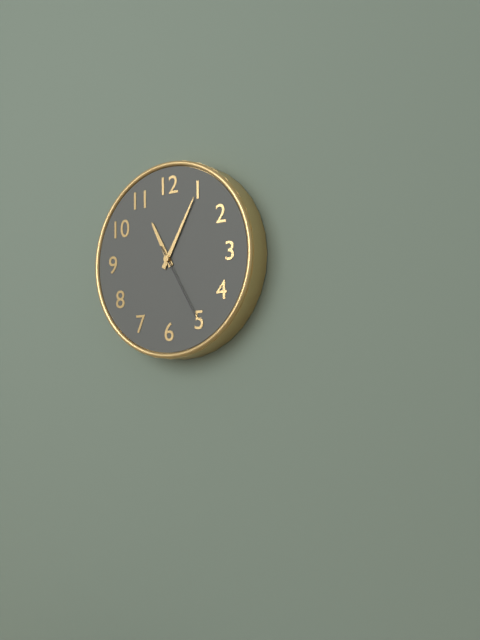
11:05:25
